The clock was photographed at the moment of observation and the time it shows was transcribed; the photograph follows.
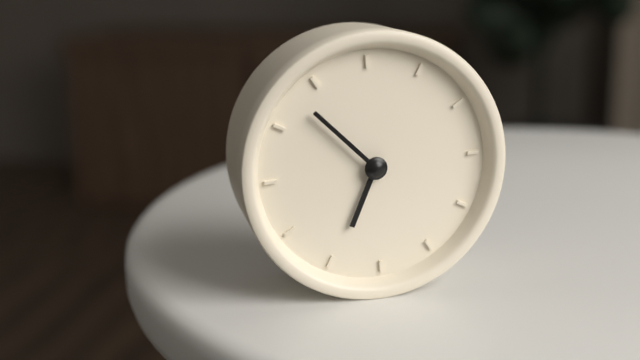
6:53
